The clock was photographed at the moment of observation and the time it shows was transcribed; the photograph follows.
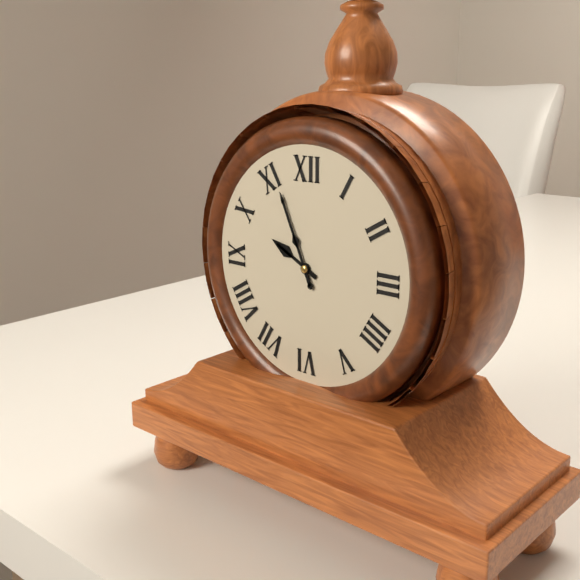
9:56
